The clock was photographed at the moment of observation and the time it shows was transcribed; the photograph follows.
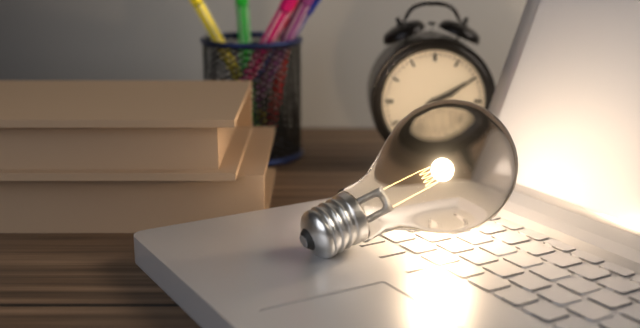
2:10
